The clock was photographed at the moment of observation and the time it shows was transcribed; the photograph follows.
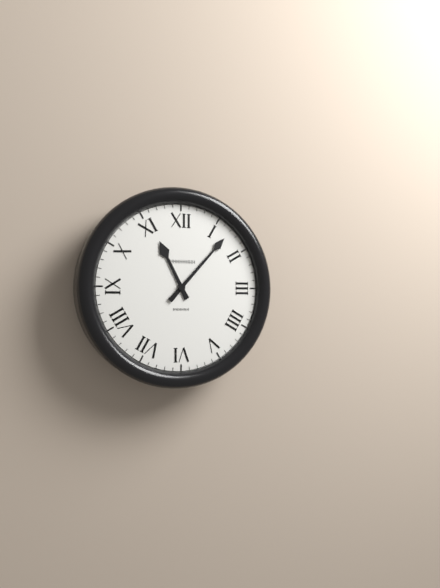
11:07
